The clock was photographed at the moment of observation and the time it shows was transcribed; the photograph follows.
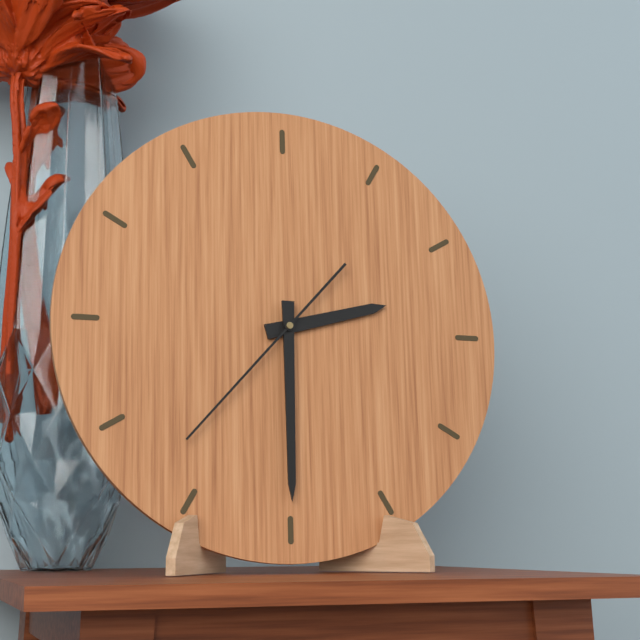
2:30:37
